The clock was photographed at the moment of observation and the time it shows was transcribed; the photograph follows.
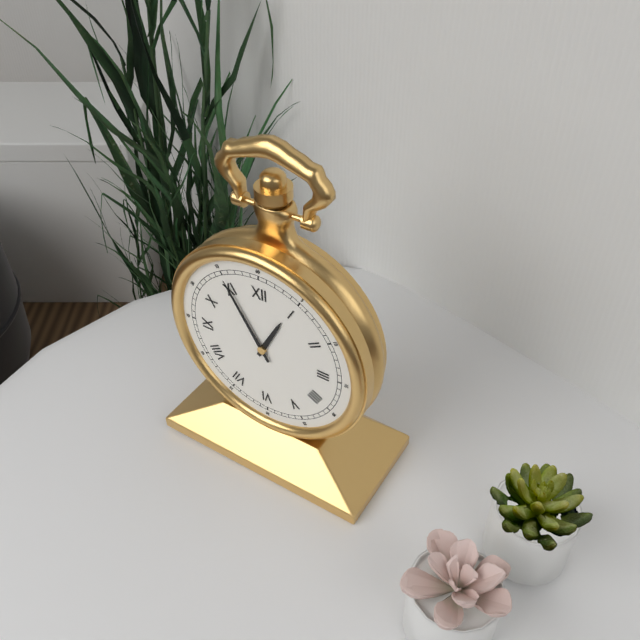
12:55
